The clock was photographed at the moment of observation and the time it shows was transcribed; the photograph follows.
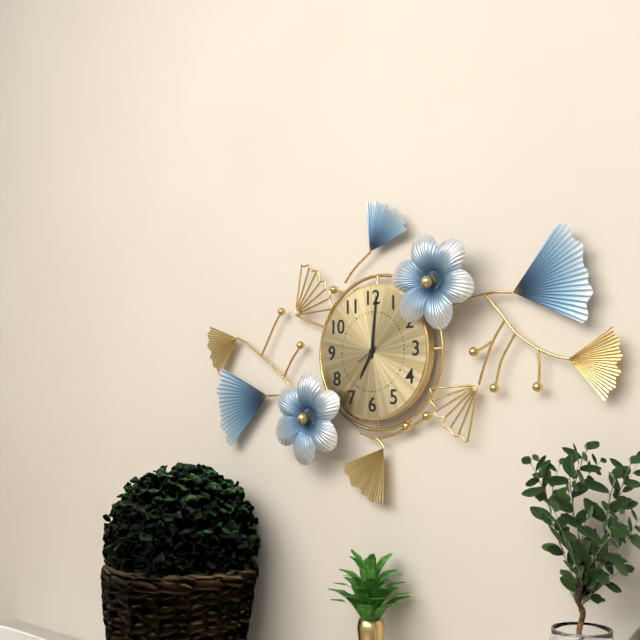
7:01
